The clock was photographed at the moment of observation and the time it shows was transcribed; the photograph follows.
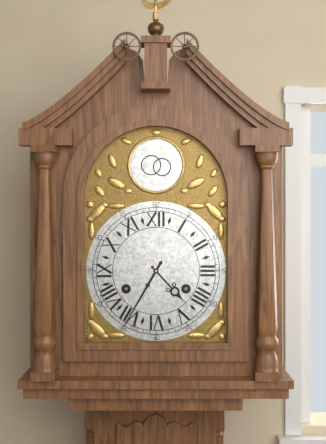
4:35
